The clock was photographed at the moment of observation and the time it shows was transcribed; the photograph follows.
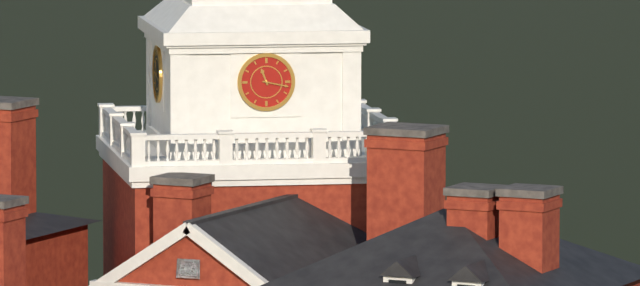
11:17
